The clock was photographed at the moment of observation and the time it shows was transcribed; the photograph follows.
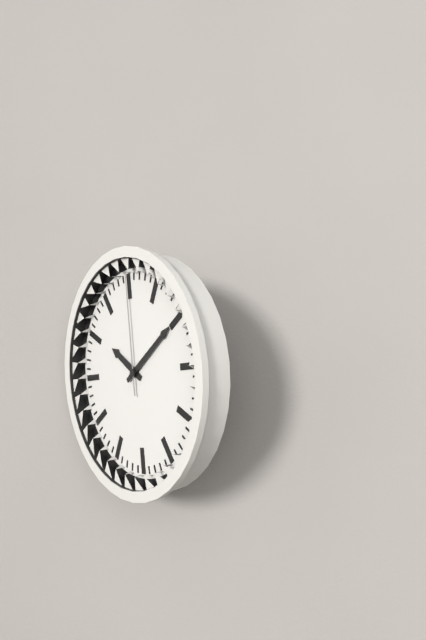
10:10:00
